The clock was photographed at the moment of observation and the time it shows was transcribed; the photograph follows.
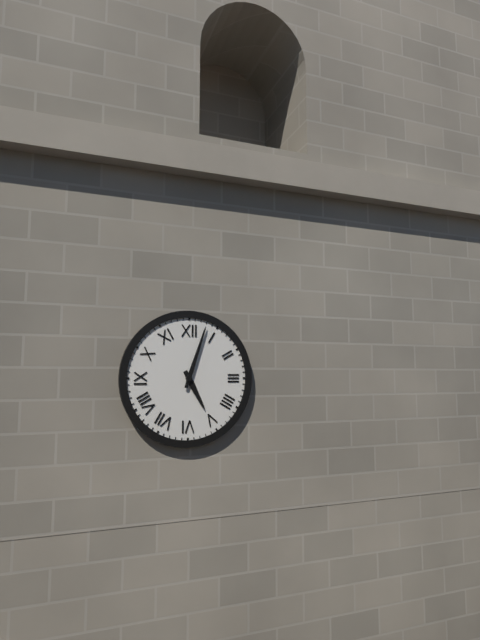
5:03
